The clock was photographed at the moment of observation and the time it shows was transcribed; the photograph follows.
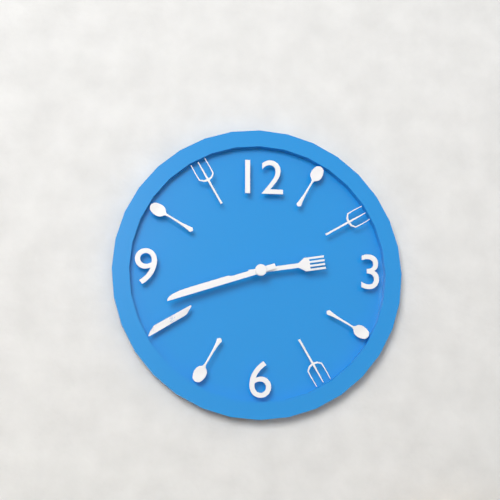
2:42
